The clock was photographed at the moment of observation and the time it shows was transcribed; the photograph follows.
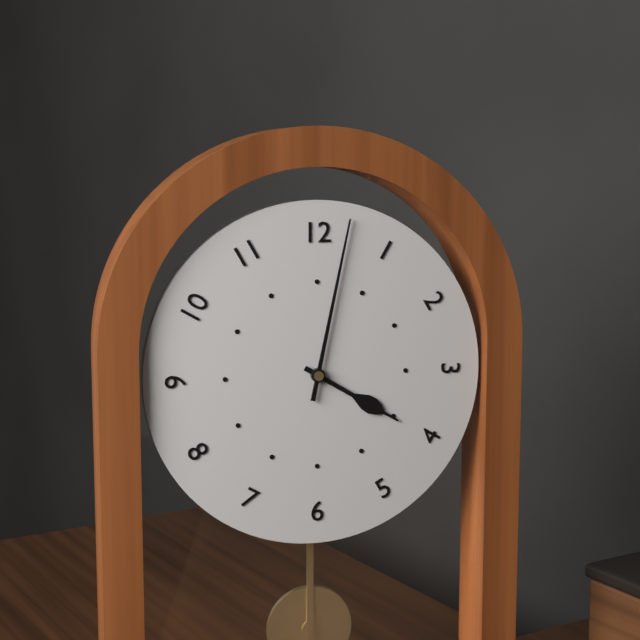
4:02
